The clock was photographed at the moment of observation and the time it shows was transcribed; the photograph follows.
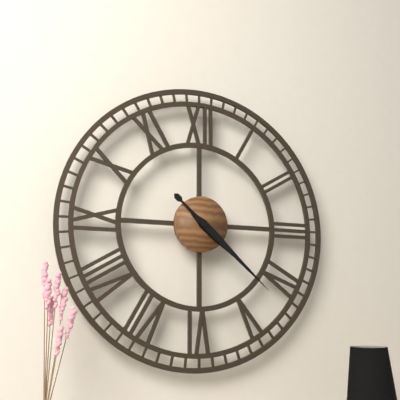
4:22
